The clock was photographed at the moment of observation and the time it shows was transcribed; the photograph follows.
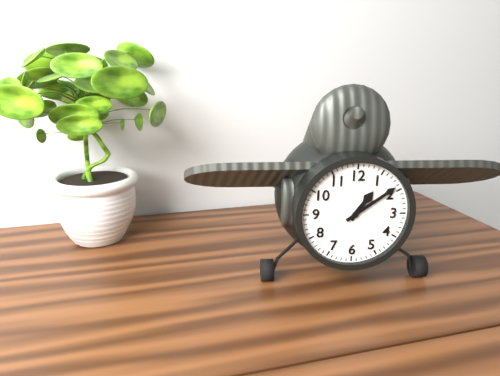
1:09
